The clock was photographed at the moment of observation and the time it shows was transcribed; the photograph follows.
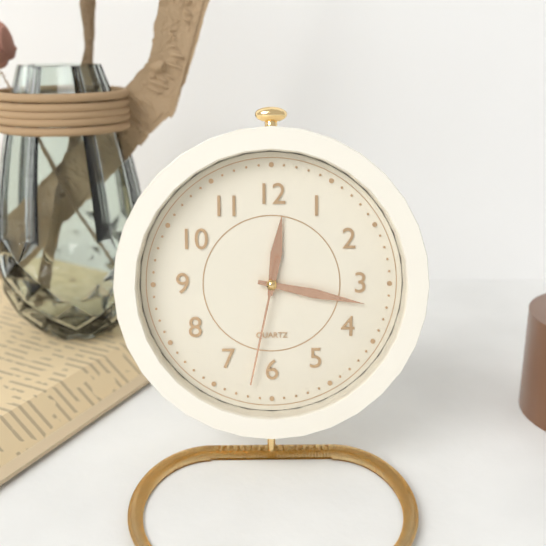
12:17:32
